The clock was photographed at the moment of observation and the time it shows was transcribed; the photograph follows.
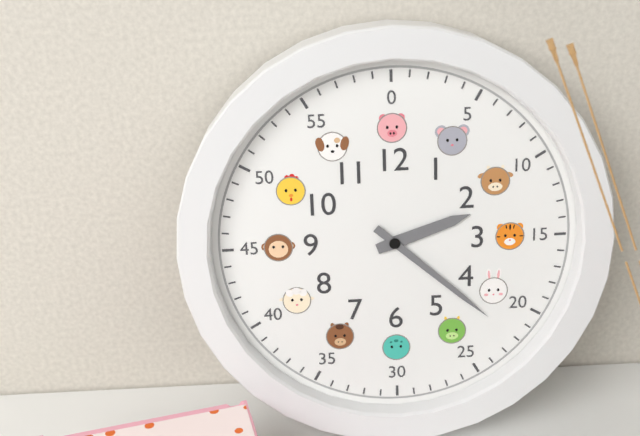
2:22
